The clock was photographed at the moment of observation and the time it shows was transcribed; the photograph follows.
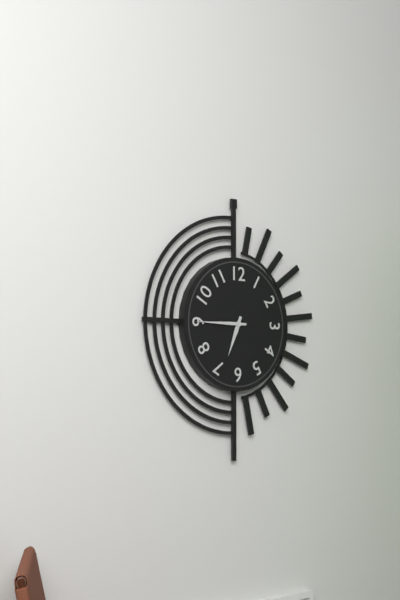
6:45
